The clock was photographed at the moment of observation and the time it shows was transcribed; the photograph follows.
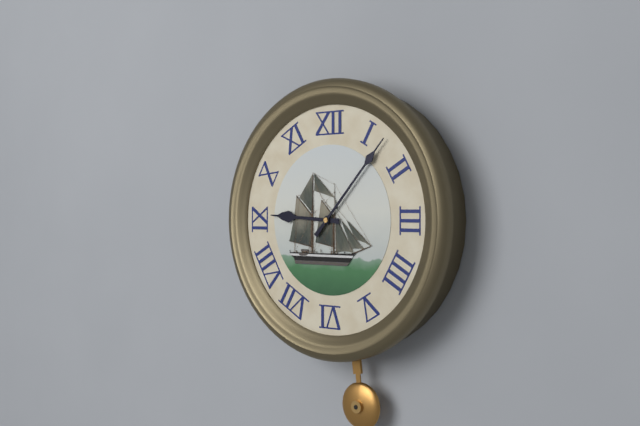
9:07
